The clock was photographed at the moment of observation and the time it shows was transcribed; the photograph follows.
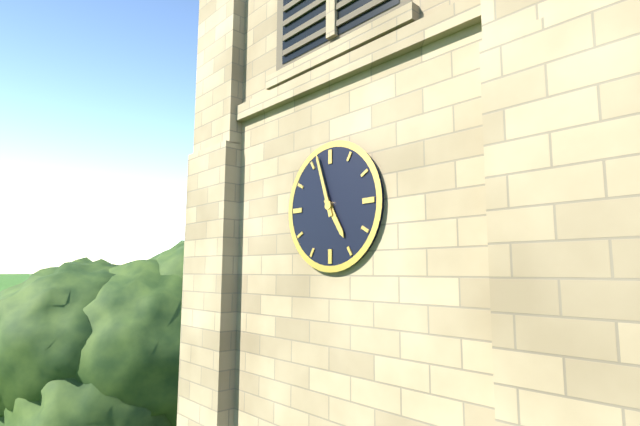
4:57
